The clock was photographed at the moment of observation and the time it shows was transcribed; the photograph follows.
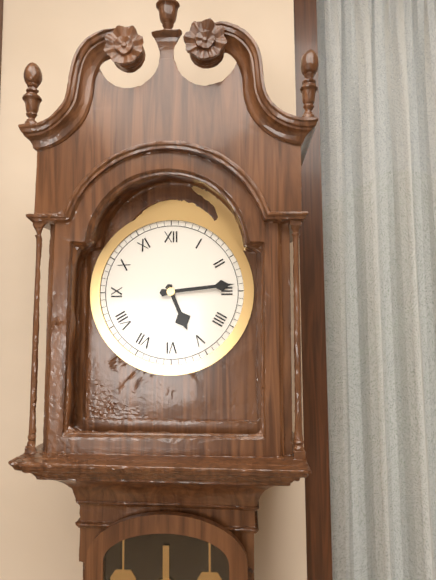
5:14
